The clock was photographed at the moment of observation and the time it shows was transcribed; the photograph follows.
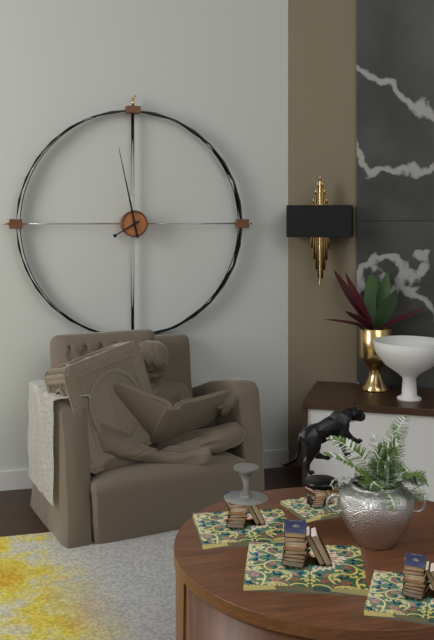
7:58
